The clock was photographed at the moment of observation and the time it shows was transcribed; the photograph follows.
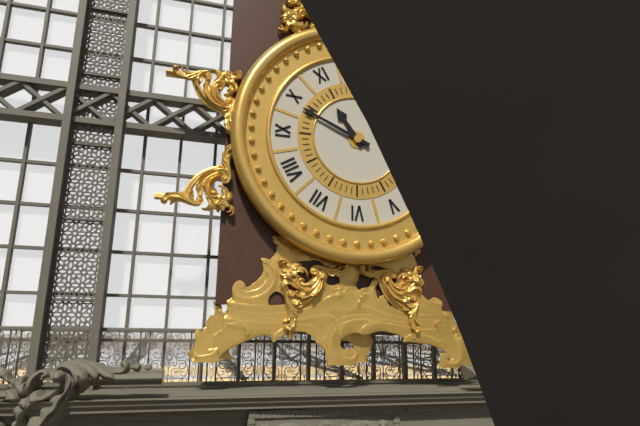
10:49
